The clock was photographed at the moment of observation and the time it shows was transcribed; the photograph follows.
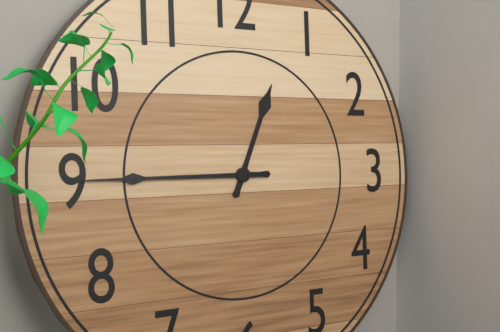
12:45
